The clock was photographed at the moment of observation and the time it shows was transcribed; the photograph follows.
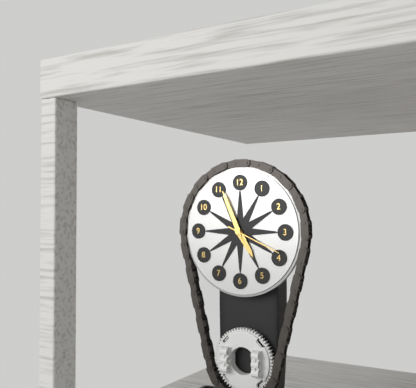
4:56:19
